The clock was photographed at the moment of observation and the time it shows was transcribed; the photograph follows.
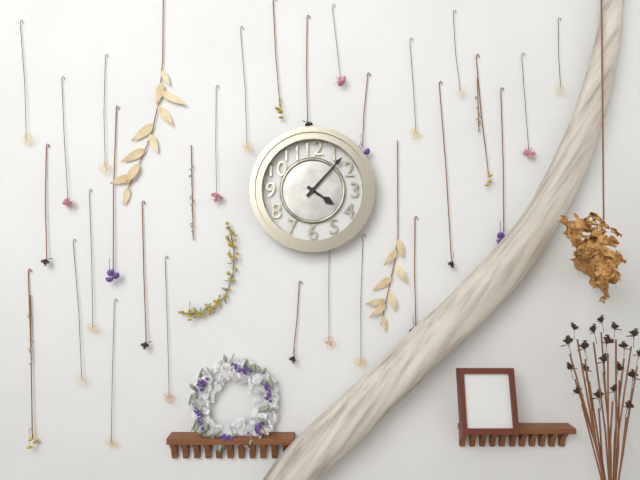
4:07
